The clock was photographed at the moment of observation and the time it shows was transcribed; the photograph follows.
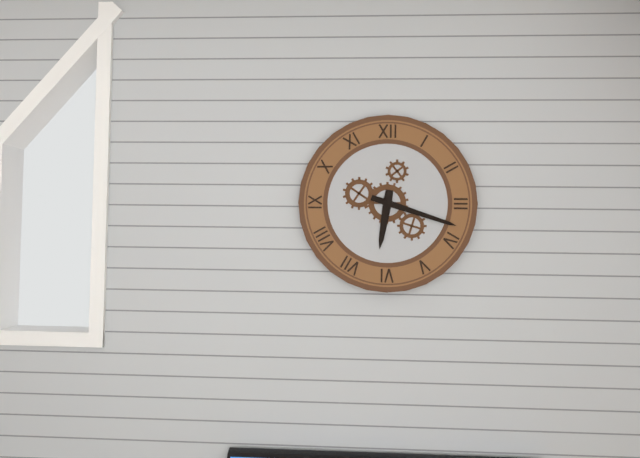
6:18
